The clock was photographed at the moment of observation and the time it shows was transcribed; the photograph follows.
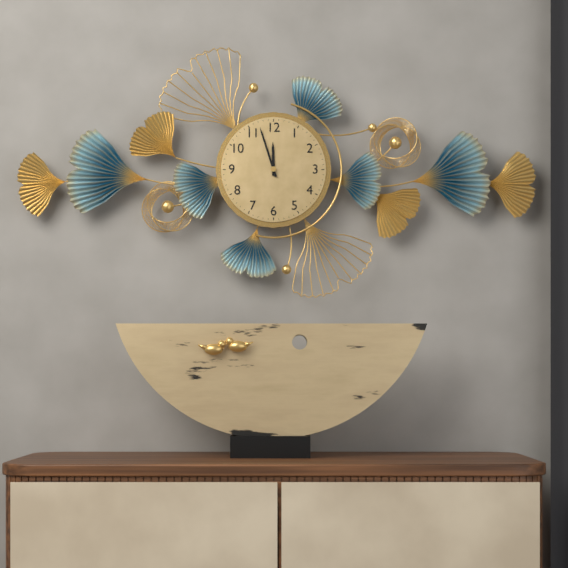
11:57
